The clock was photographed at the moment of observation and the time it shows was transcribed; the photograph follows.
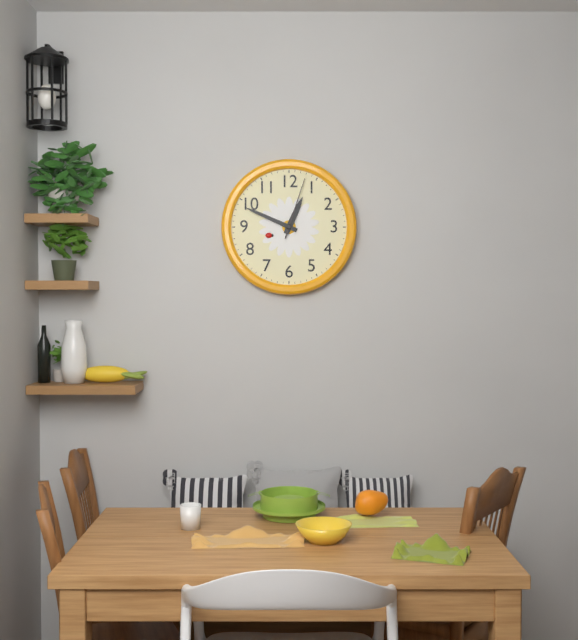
12:49:03
